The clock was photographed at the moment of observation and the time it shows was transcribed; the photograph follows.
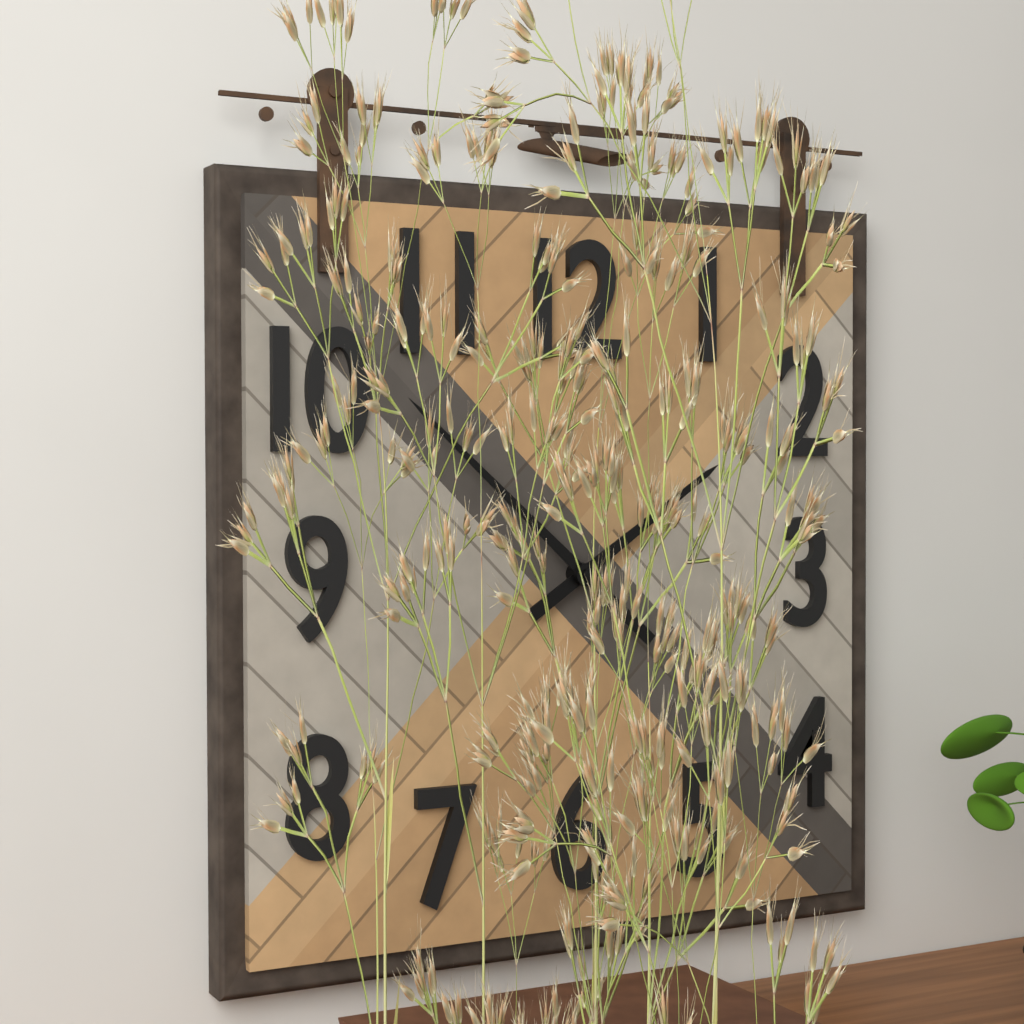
1:52
